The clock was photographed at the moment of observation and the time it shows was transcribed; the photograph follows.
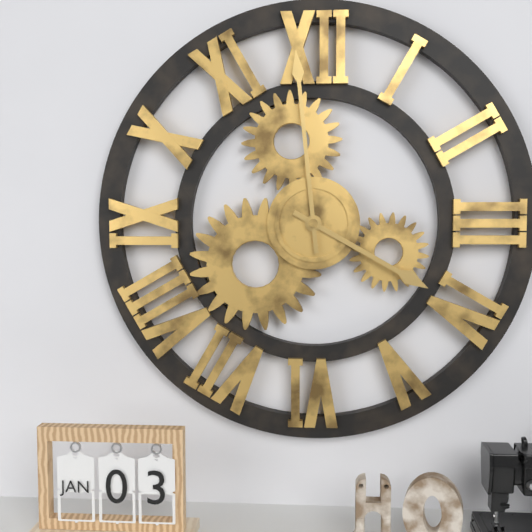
3:59
